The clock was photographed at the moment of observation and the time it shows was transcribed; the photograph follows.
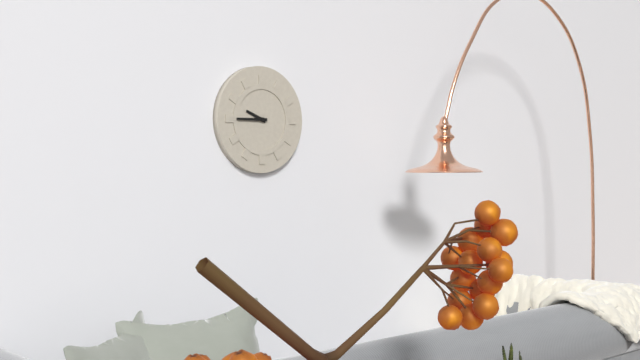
9:45
